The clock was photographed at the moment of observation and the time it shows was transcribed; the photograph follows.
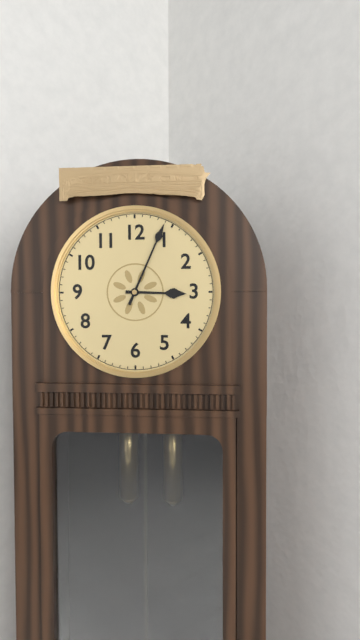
3:04
